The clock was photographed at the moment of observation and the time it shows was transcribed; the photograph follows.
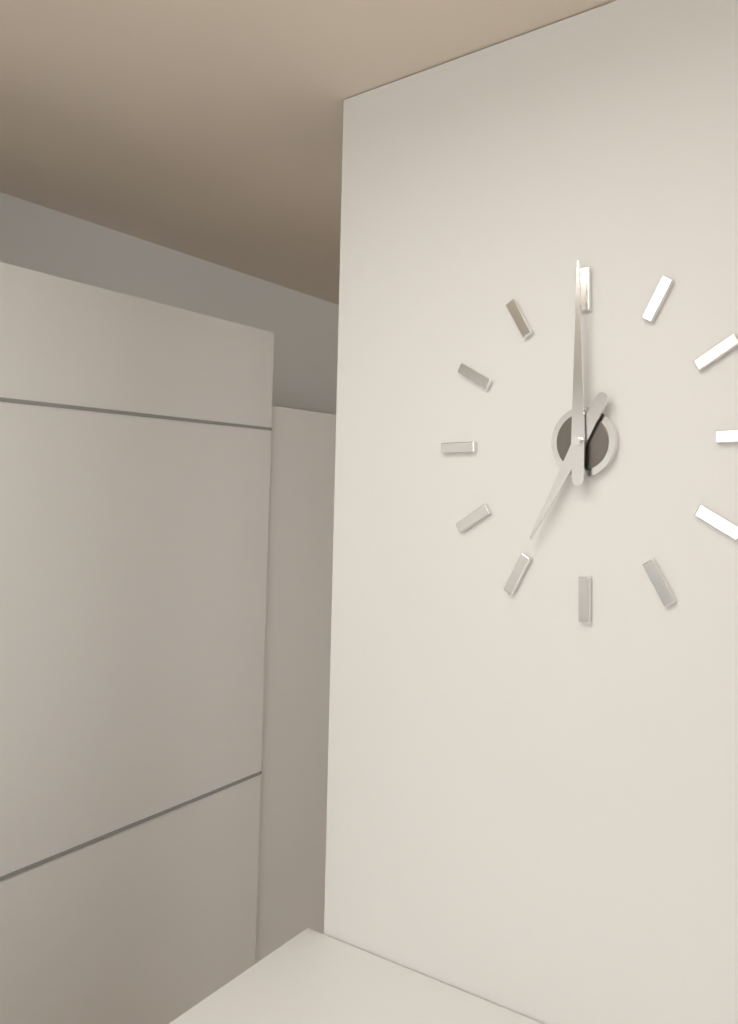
7:00
